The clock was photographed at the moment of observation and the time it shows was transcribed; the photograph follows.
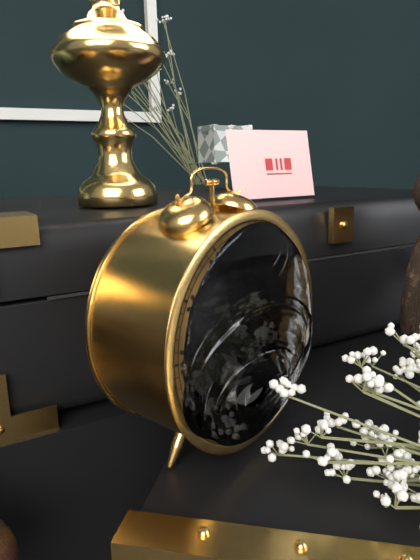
5:38
